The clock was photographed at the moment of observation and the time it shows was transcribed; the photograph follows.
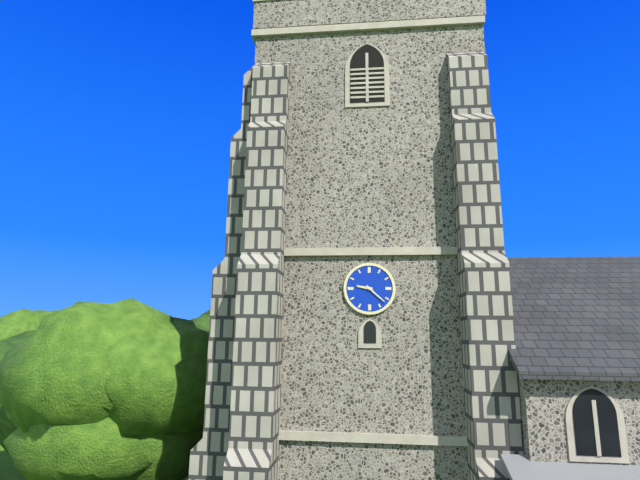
9:22
